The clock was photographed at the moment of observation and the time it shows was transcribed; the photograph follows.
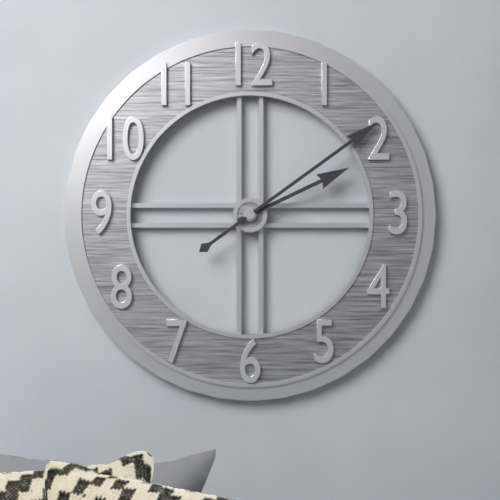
2:09
